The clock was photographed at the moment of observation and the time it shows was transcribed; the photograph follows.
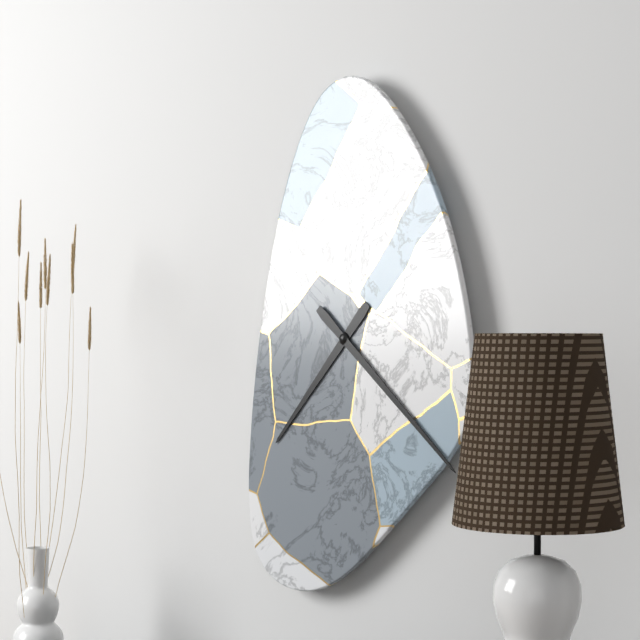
7:22
